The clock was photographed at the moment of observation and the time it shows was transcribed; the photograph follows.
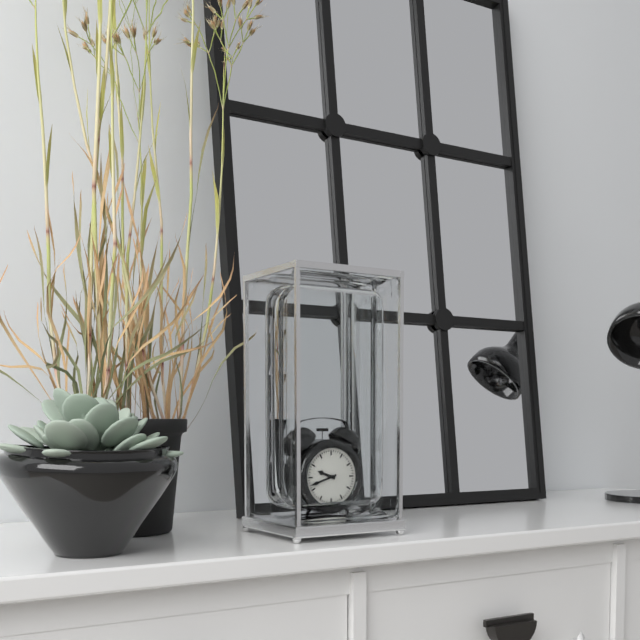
9:42
